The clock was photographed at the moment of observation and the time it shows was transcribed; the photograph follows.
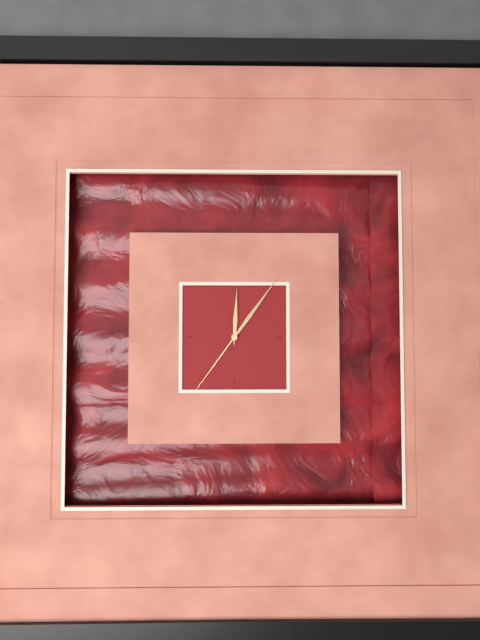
12:06:36
